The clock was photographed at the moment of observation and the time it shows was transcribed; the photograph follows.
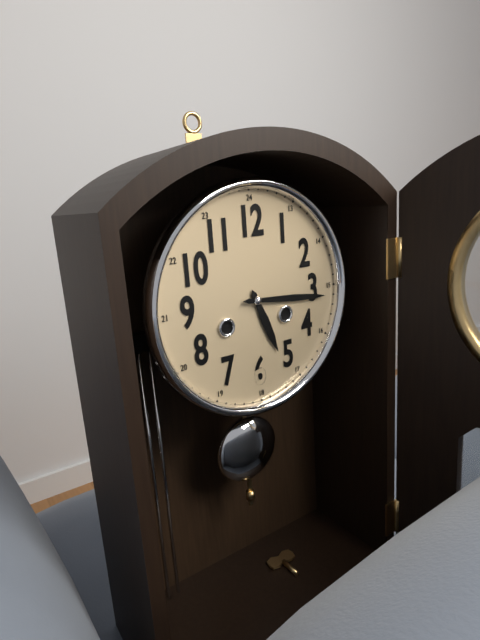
5:16
